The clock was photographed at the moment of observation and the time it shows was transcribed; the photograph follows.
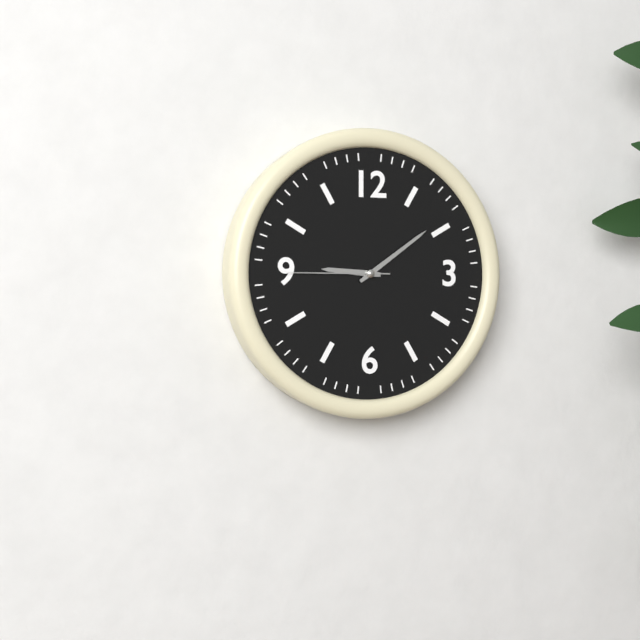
9:09:45
